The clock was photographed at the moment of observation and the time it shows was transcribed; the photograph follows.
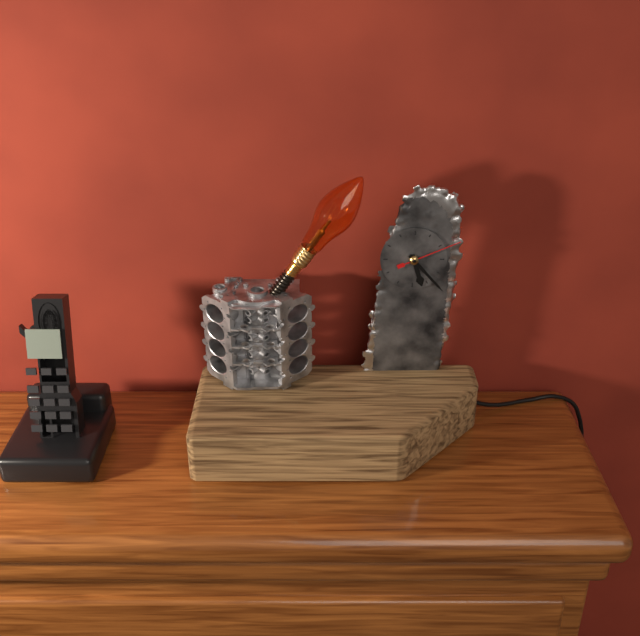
5:23:11
